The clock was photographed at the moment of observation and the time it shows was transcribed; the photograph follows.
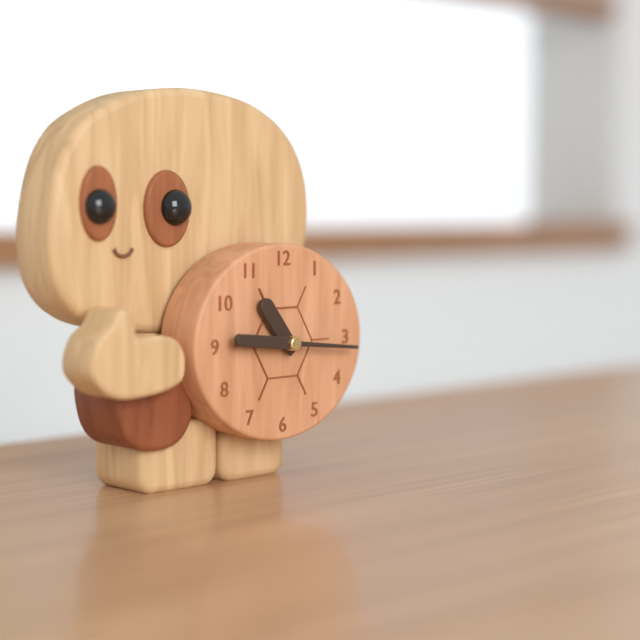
10:46
